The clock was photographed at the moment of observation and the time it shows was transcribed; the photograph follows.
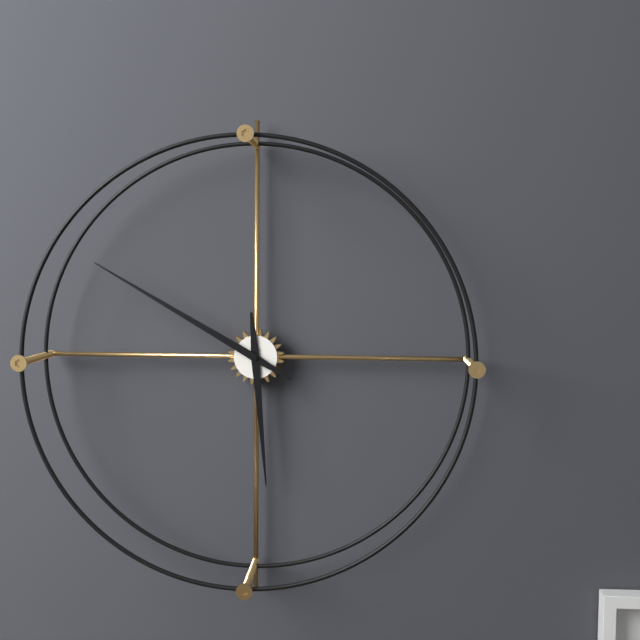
5:50
